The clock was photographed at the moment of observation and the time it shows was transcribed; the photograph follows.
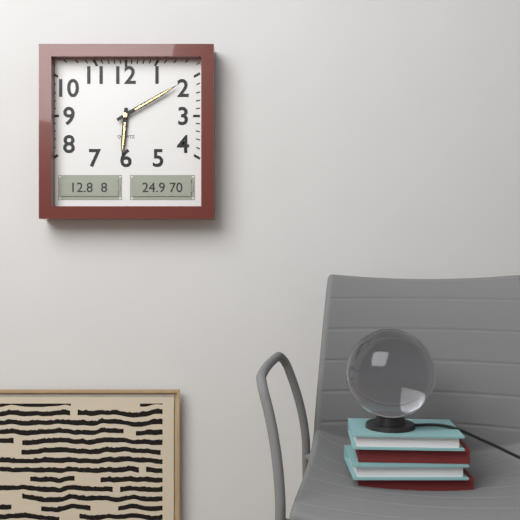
6:10
